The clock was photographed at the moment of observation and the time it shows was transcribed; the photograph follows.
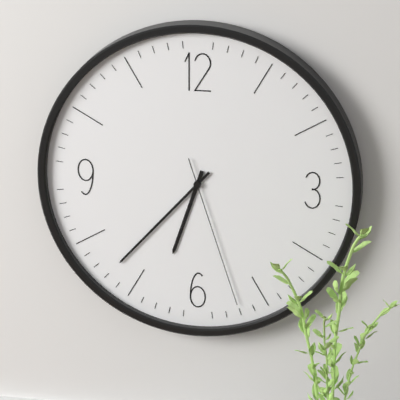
6:37:27
